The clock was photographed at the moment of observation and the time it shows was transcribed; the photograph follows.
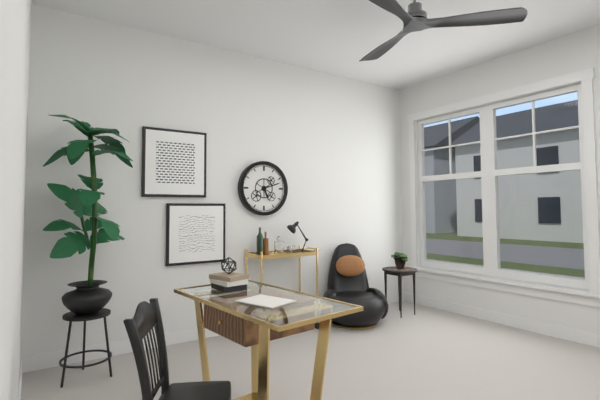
5:12
